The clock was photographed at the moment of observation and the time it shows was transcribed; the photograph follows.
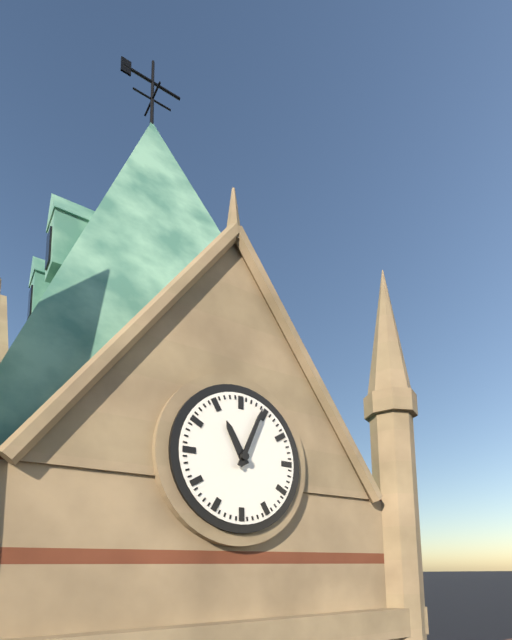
11:04
